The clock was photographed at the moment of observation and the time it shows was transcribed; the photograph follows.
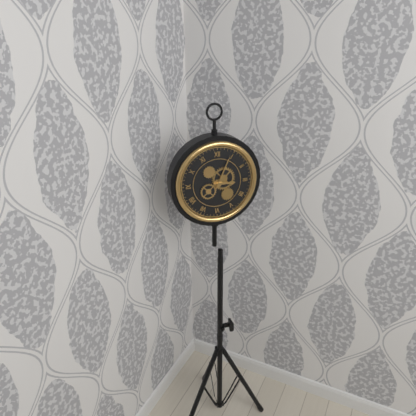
3:04
